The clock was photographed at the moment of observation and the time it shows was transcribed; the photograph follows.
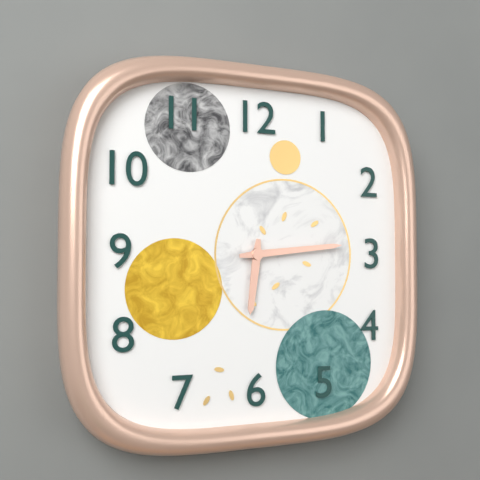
6:14
